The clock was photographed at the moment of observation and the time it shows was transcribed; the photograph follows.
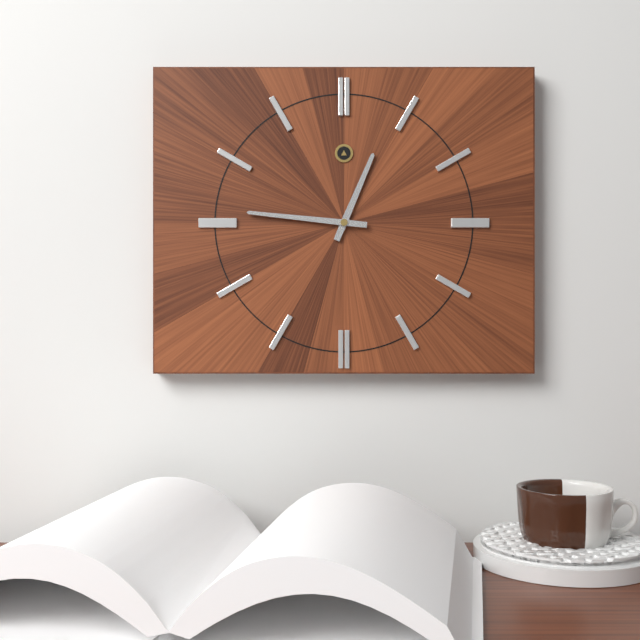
12:46
